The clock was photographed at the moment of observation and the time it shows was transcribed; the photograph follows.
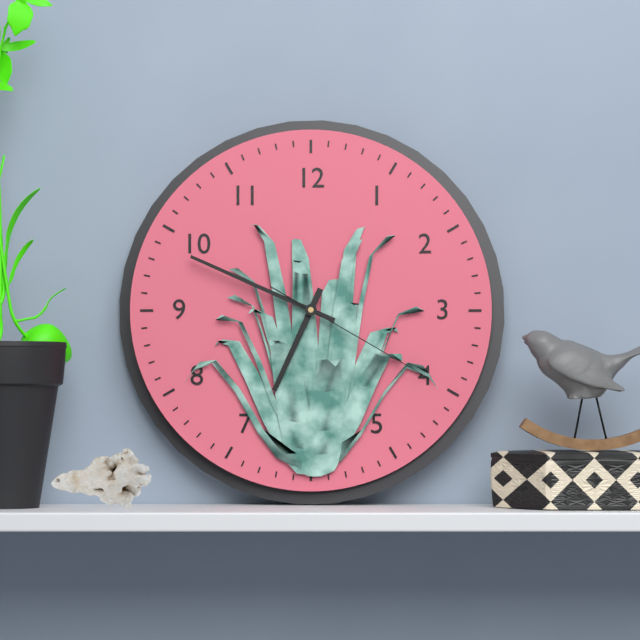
6:49:20
